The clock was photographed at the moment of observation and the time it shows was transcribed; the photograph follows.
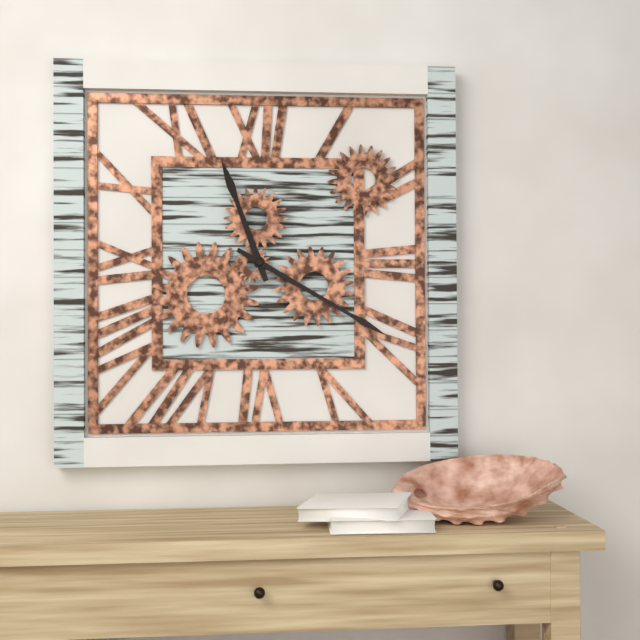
11:20
